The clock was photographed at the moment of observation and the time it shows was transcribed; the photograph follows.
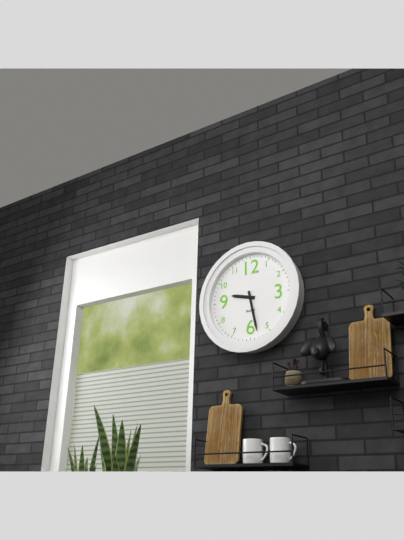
9:28
